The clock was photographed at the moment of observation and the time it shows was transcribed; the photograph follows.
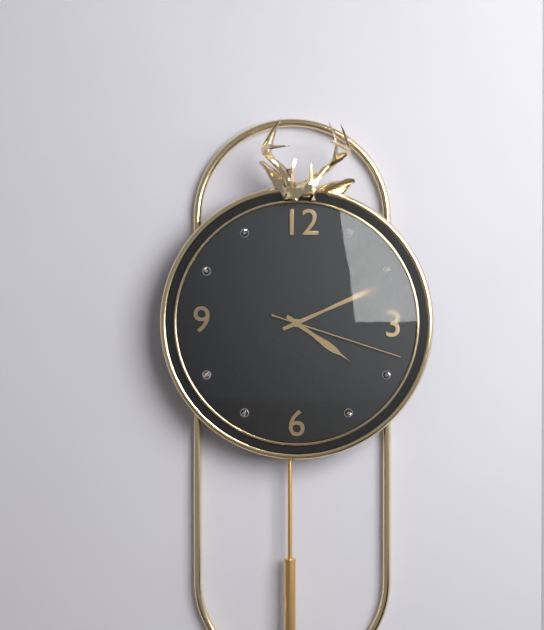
4:11:18
